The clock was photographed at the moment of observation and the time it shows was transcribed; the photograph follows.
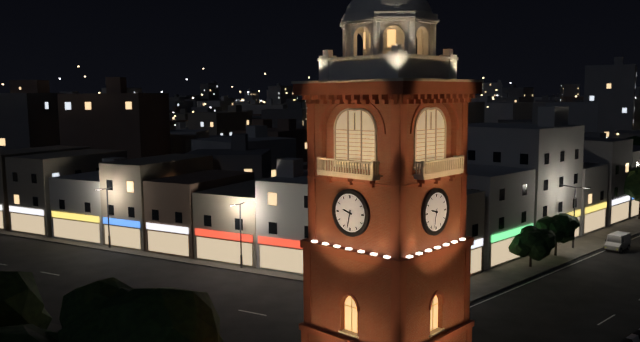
9:32
